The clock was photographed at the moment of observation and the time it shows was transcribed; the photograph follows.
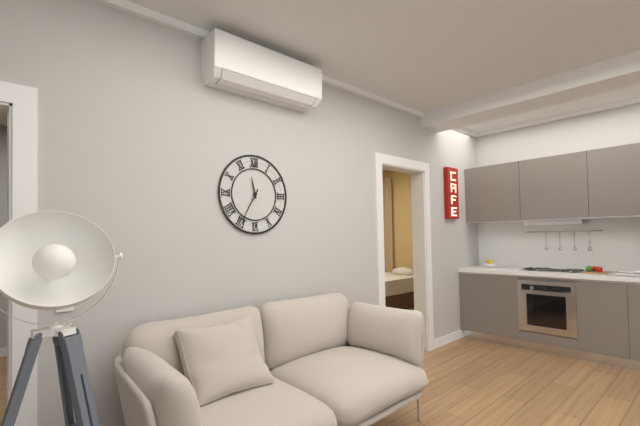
11:35
